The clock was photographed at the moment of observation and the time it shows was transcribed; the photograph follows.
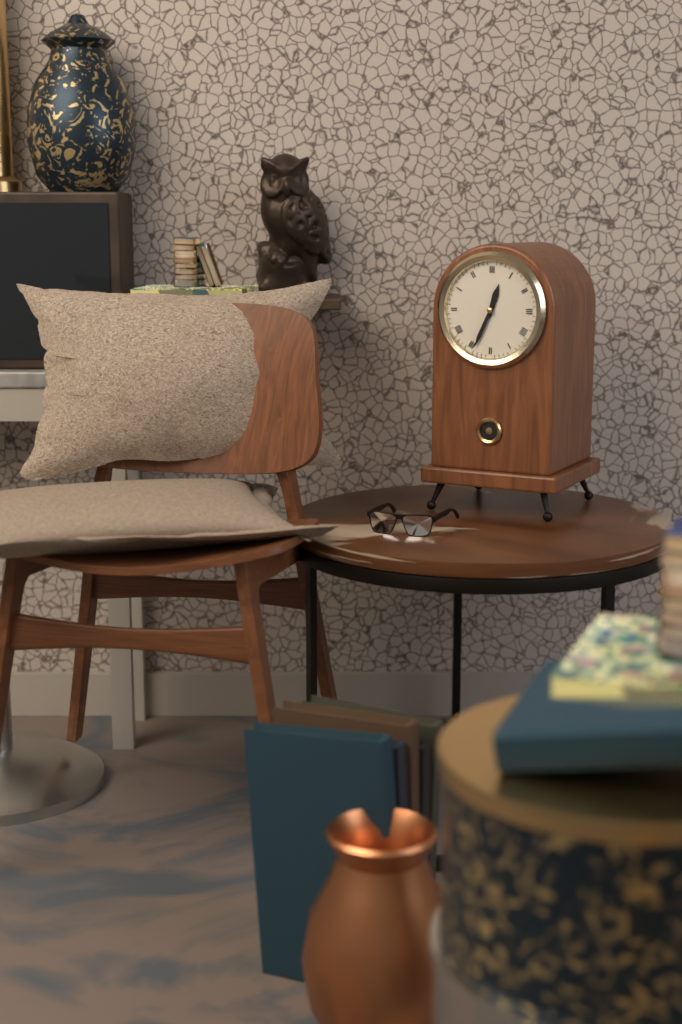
12:34
